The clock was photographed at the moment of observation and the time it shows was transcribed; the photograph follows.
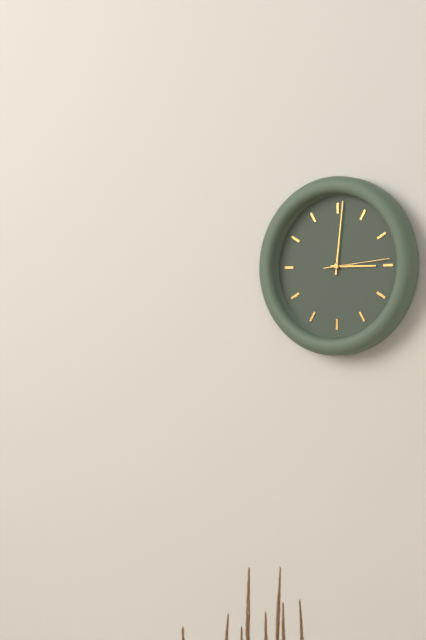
3:01:14
